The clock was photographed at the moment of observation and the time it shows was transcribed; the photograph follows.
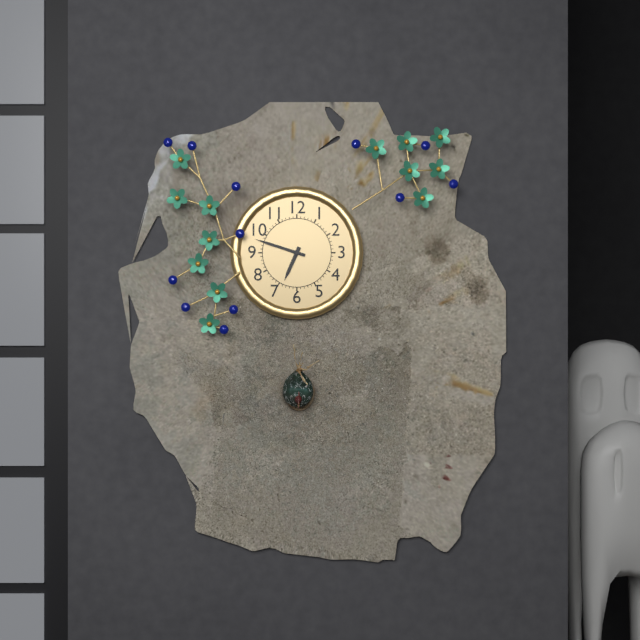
6:48
